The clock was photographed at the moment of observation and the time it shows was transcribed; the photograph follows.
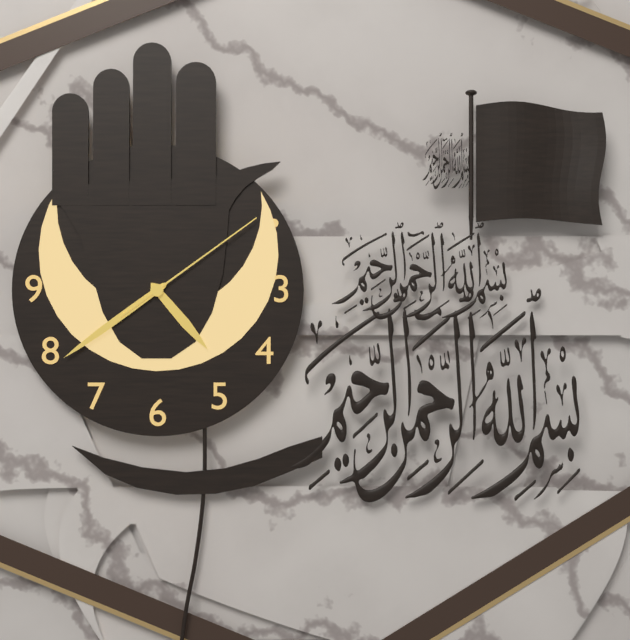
4:39:09
